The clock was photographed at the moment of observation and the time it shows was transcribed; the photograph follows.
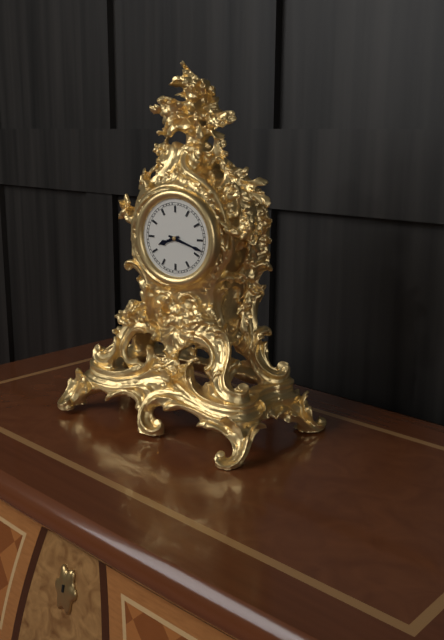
8:18
